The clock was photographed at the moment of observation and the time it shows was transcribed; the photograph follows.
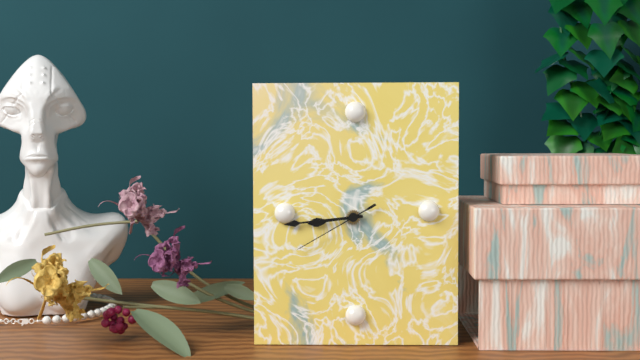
8:44:40
